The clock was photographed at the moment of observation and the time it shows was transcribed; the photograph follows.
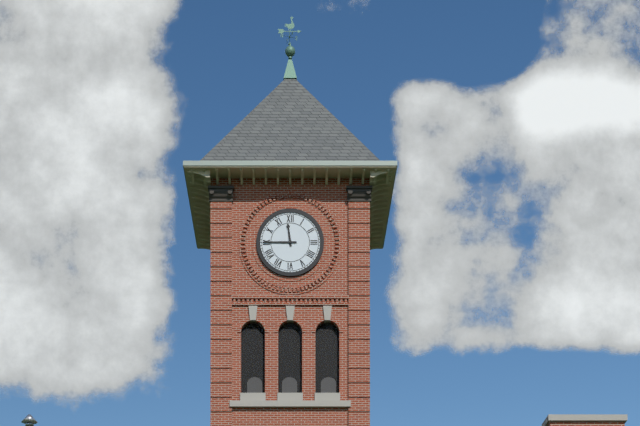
11:45
